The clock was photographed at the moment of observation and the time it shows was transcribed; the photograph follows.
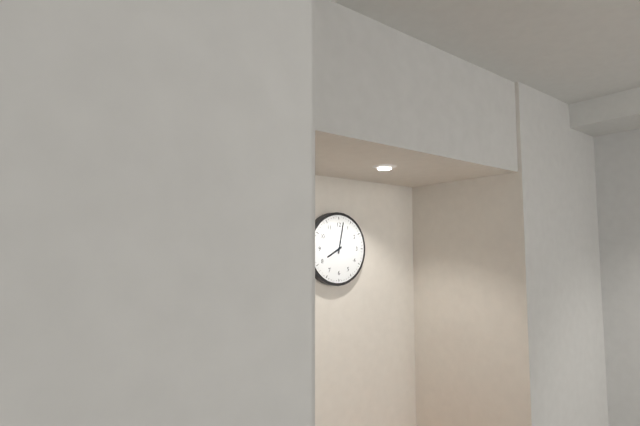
8:02
